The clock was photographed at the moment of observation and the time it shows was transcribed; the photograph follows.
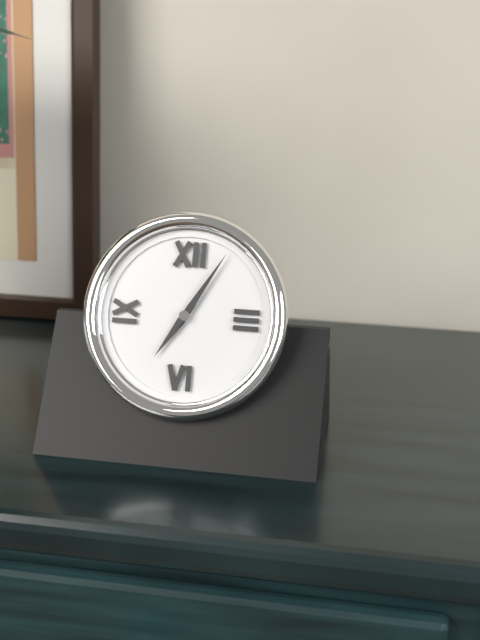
7:05
